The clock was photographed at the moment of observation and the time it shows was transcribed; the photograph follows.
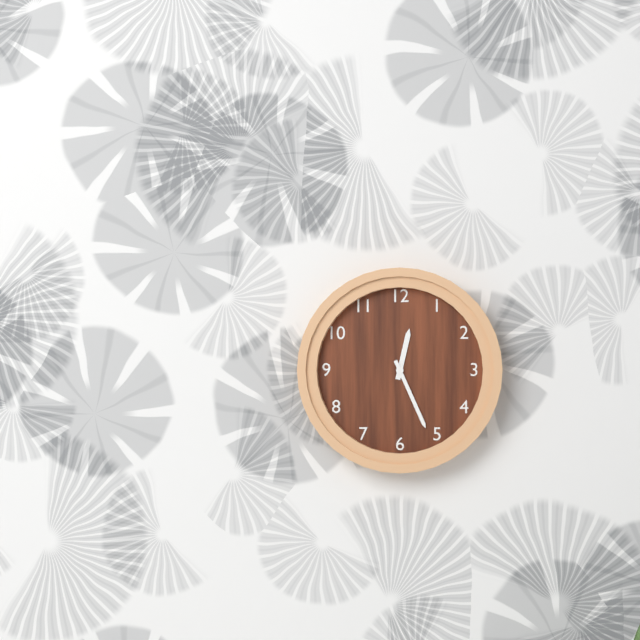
12:26
